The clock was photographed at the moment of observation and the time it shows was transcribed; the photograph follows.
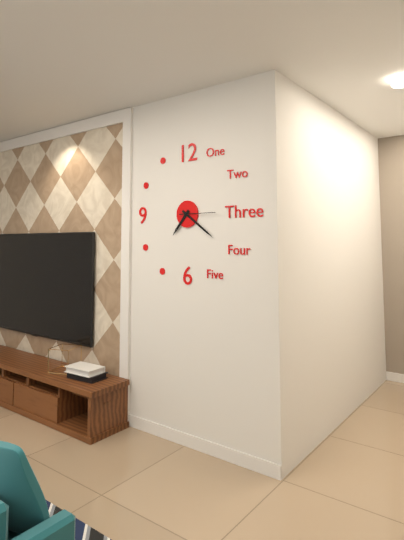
7:21
